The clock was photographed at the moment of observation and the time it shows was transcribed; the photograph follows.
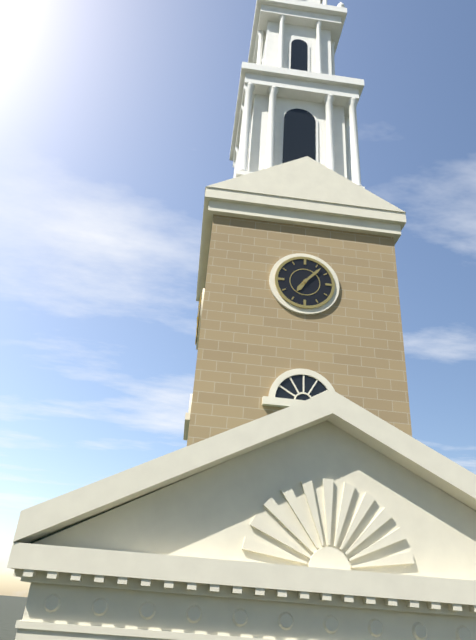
7:07
